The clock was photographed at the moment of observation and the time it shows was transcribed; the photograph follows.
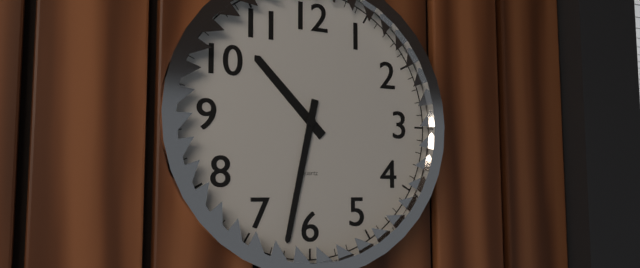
10:32
